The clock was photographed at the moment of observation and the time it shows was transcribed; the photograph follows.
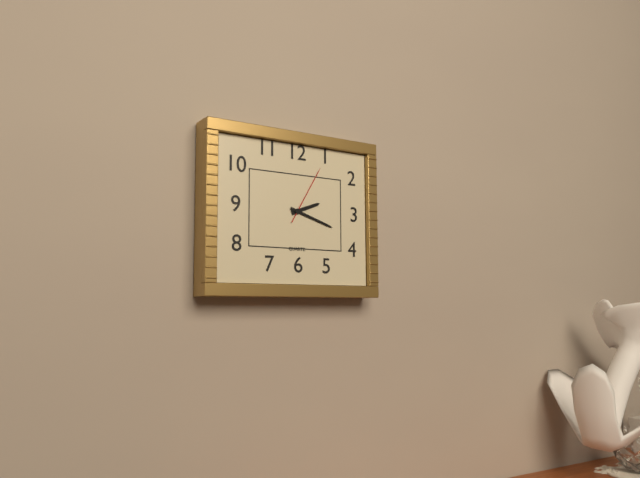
2:18:05
